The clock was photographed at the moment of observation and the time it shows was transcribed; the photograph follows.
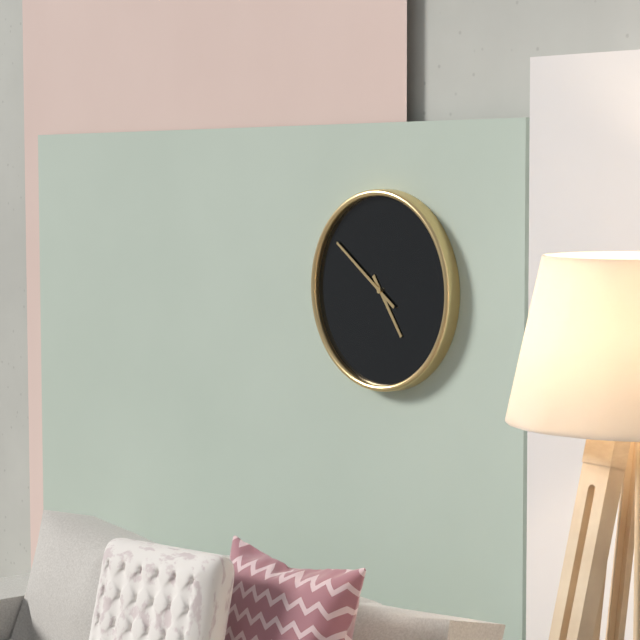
4:51
